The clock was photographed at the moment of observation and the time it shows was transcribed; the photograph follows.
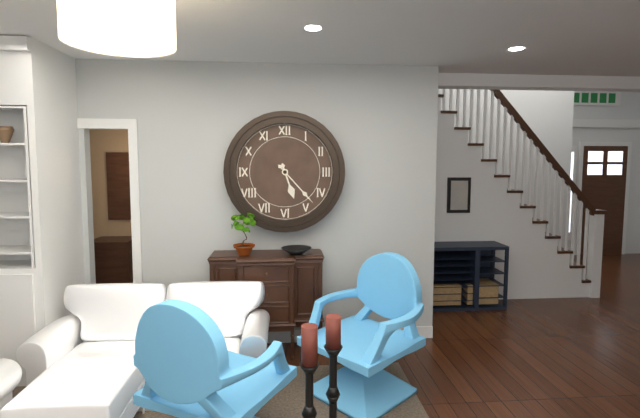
5:23
